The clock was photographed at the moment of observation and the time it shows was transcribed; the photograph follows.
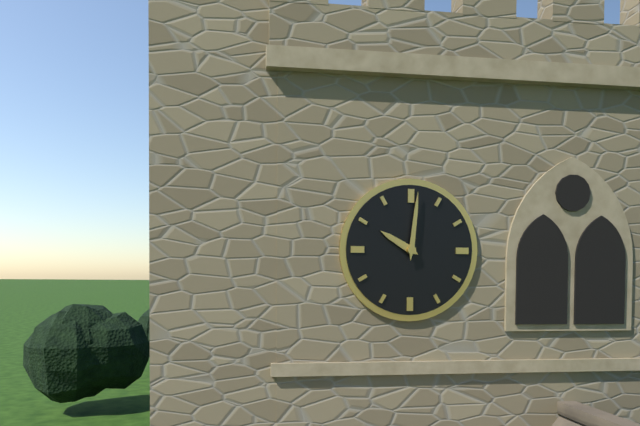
10:01
